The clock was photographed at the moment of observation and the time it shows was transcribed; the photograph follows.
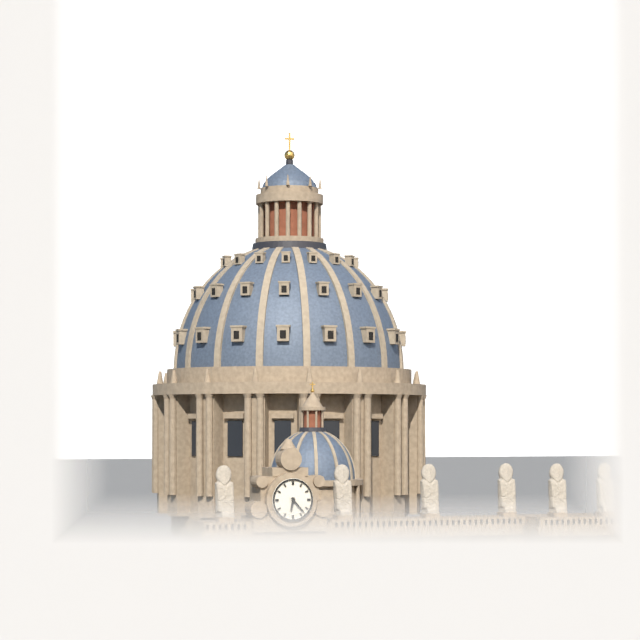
6:23
